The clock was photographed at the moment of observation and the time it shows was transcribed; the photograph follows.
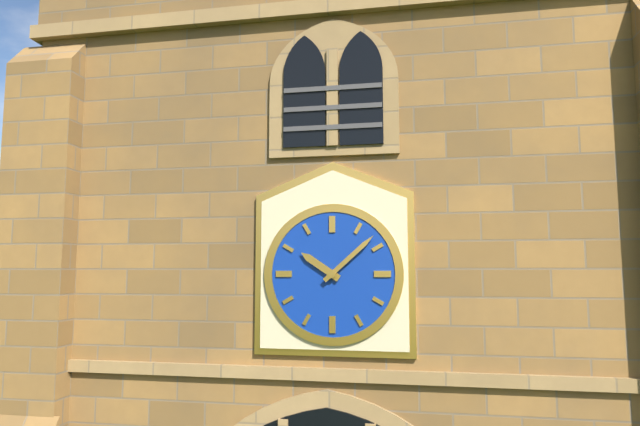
10:08
